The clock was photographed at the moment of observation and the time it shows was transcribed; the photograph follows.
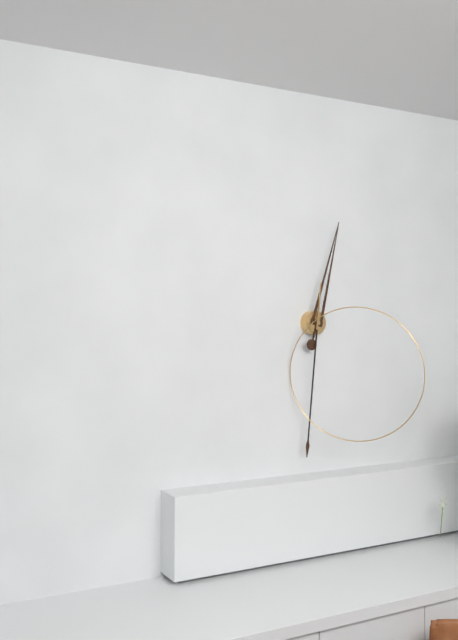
12:31
